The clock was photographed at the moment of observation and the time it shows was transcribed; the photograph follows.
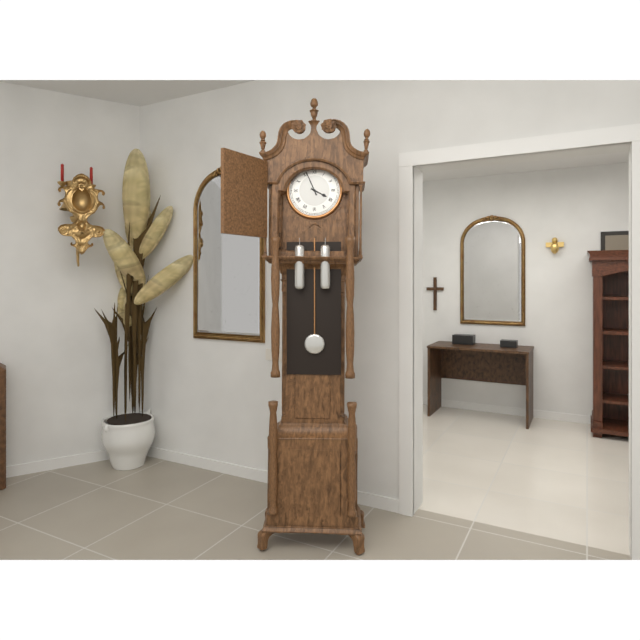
3:56
